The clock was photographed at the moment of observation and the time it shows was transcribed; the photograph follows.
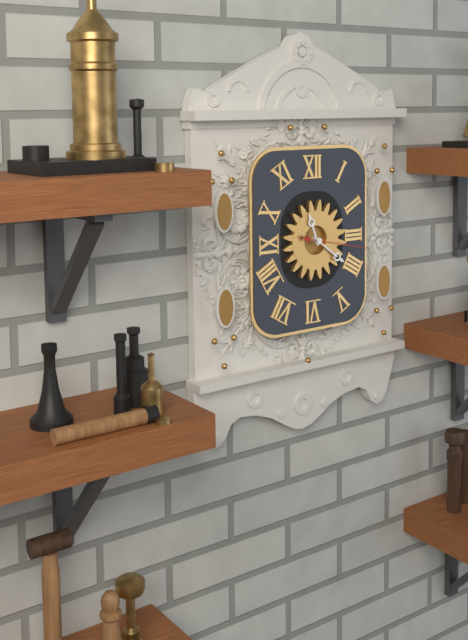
11:21:17
